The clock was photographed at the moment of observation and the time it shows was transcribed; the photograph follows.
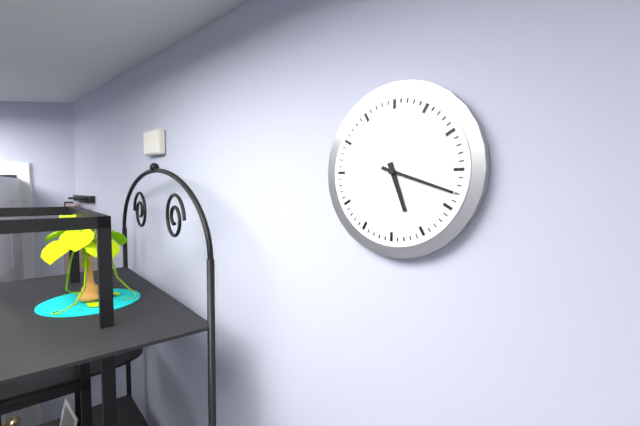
5:18
